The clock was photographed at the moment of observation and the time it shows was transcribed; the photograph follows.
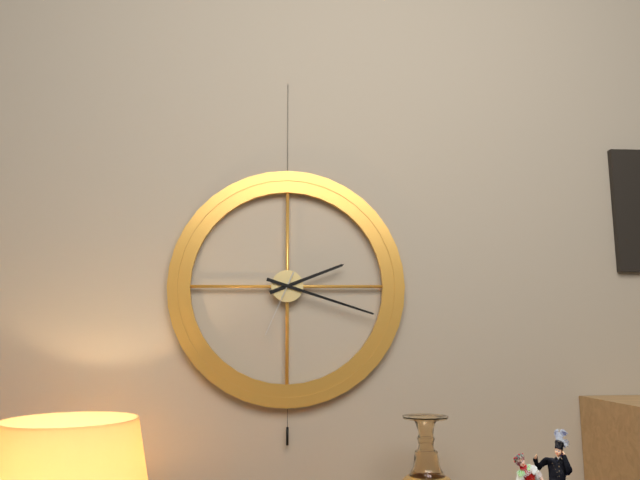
2:18:34
